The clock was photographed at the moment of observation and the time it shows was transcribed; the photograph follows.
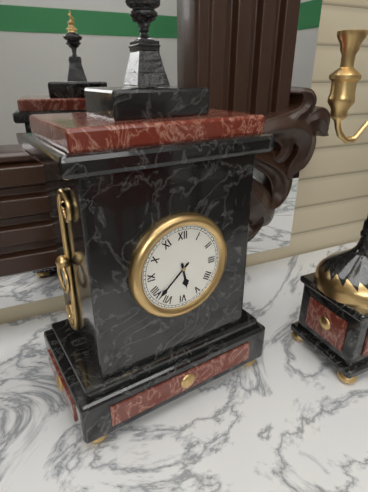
5:38
